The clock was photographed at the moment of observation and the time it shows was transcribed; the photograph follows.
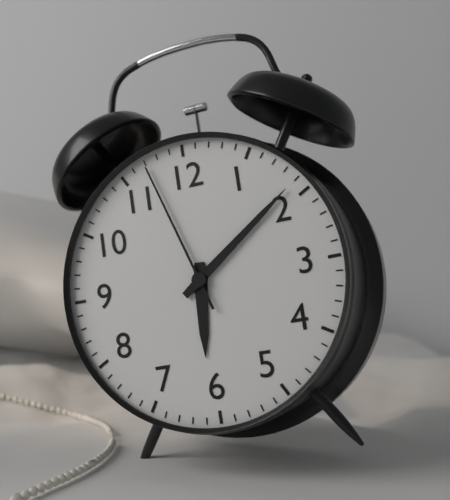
6:09:57
